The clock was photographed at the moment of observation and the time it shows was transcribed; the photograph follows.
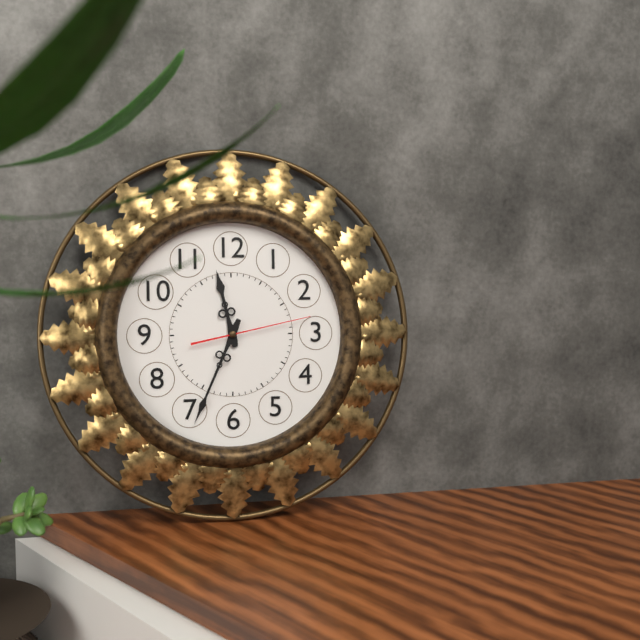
11:34:13
